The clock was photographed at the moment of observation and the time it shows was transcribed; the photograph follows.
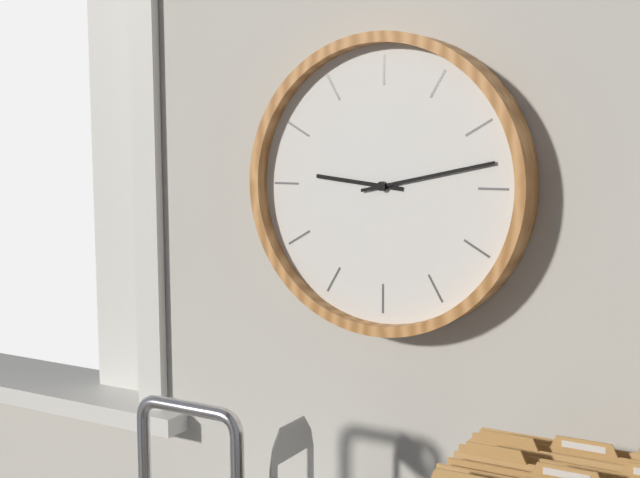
9:13
